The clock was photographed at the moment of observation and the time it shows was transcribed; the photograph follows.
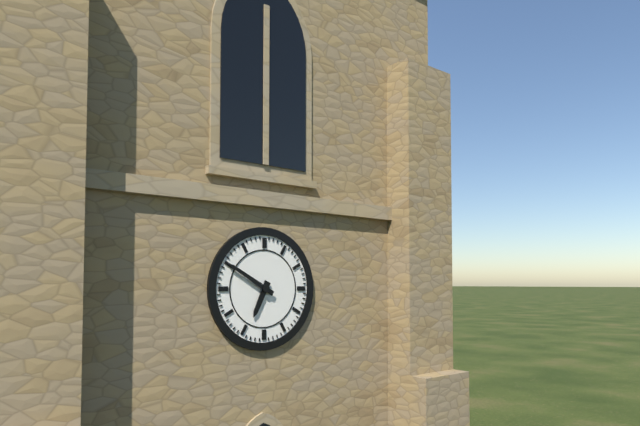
6:50
